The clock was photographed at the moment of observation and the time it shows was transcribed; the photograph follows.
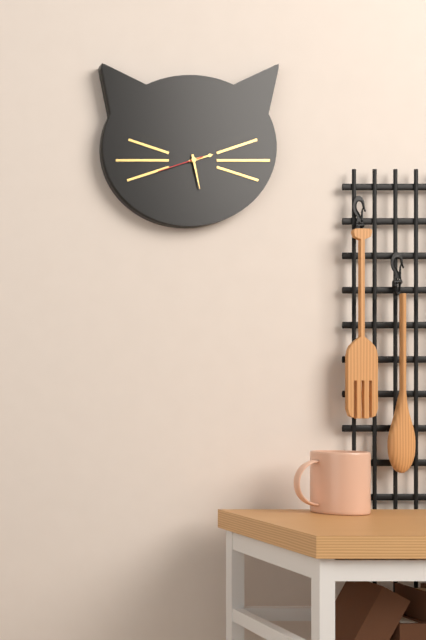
2:28
